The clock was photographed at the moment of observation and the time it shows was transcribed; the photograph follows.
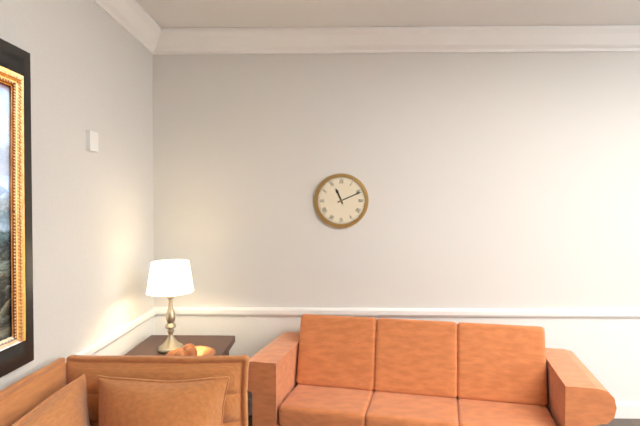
11:11
